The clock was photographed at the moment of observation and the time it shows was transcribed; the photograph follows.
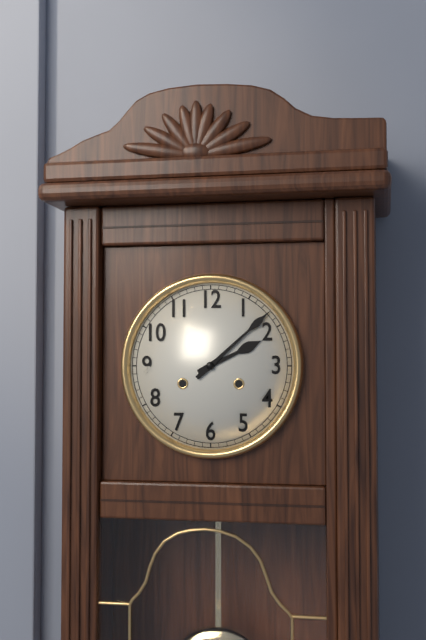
2:08
